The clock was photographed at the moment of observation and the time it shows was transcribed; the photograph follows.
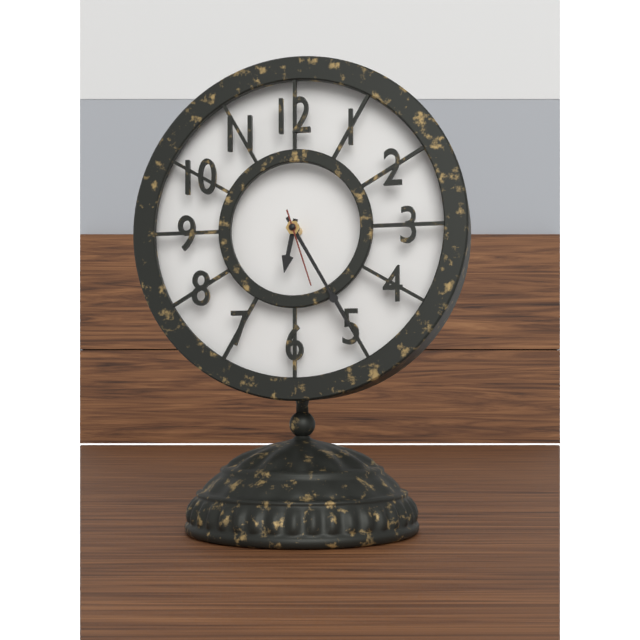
6:25:27
